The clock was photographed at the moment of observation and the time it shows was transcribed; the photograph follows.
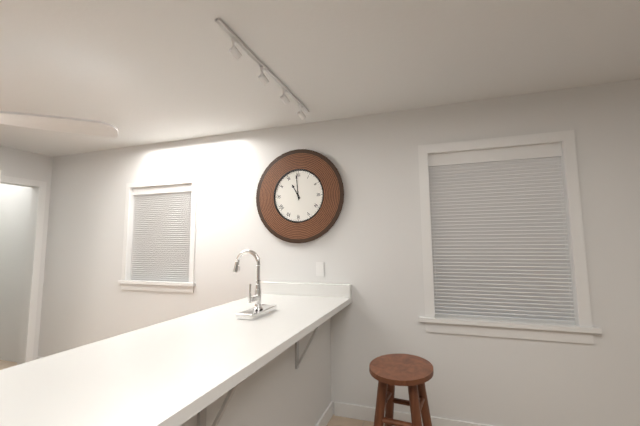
10:59
